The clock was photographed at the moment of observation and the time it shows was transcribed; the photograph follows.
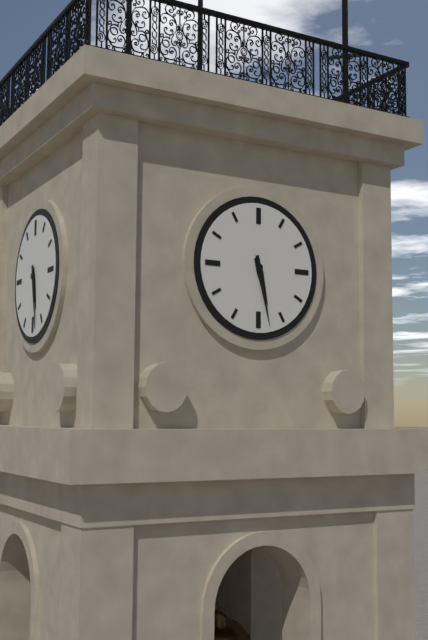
5:28
